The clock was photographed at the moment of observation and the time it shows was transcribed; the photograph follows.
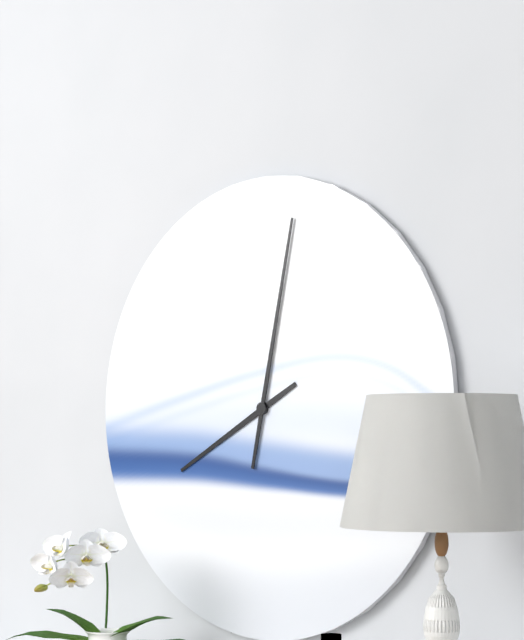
8:02
